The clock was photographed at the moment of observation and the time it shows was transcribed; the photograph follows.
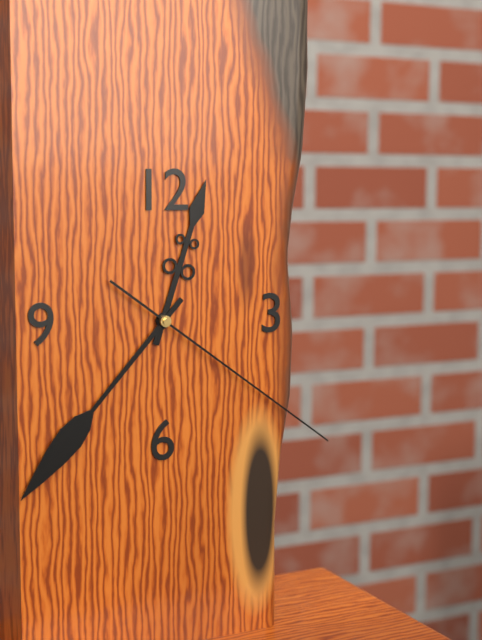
12:37:21
